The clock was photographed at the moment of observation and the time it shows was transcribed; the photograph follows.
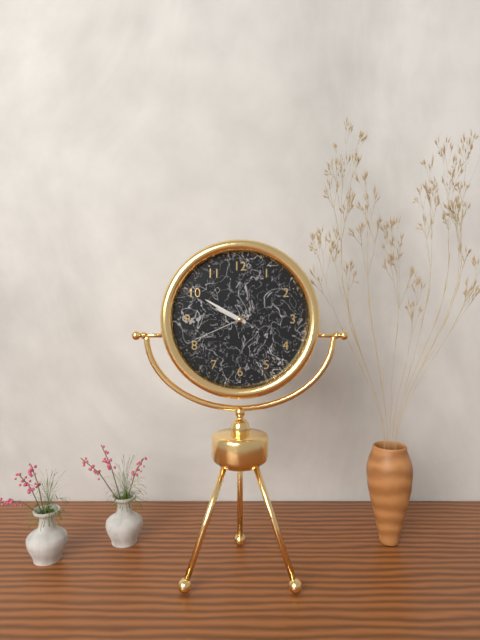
9:50:41
